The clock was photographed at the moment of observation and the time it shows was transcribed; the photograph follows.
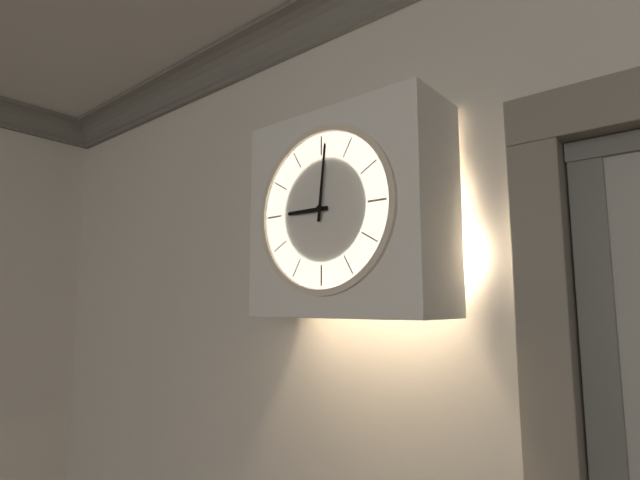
9:01
